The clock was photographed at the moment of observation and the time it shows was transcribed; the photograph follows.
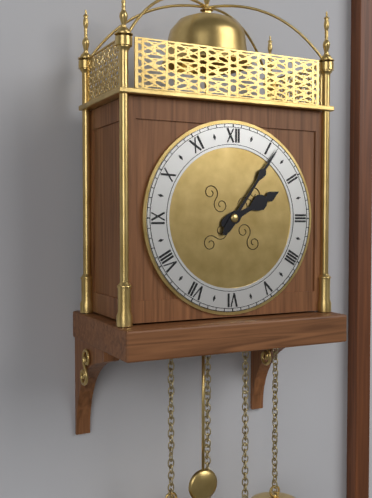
2:06
